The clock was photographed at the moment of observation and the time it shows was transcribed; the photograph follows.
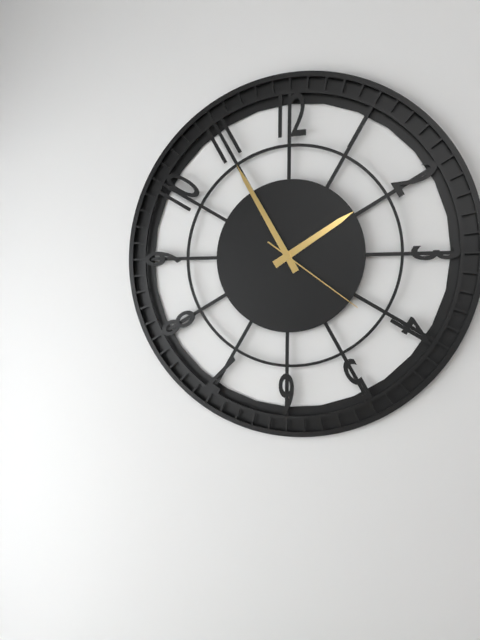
1:55:21
